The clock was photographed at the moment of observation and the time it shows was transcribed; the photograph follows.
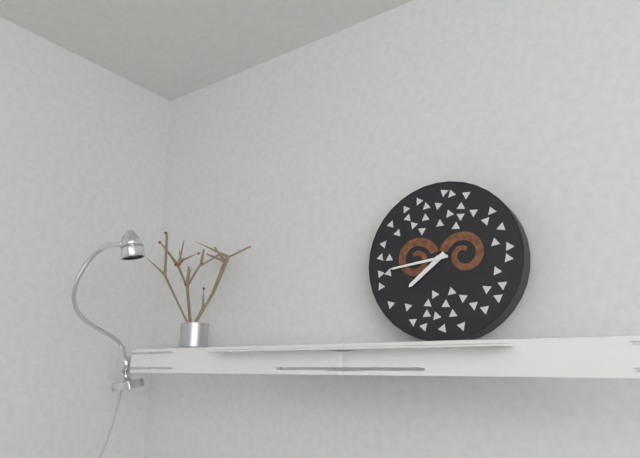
7:44
